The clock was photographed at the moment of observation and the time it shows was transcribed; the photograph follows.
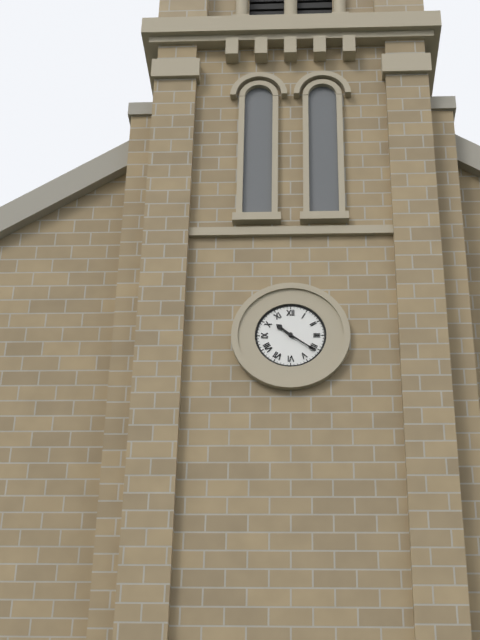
10:21
